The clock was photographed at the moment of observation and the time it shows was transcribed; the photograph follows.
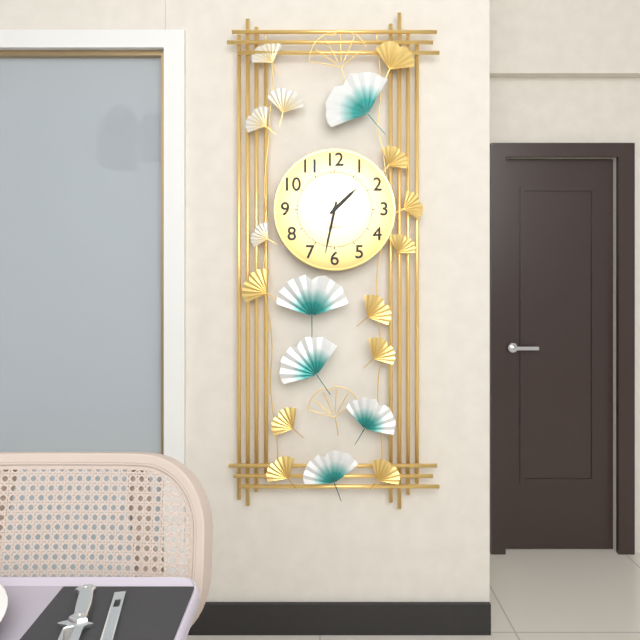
1:32
